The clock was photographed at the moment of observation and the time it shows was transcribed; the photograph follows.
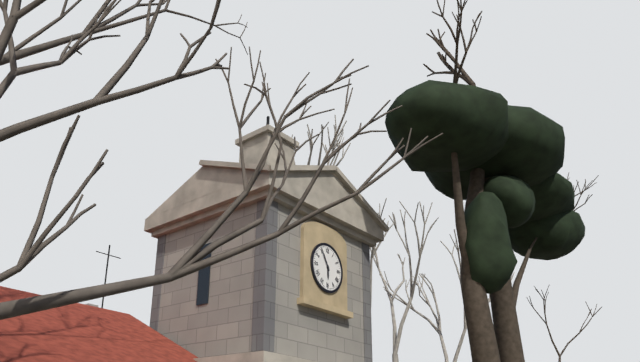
5:55
